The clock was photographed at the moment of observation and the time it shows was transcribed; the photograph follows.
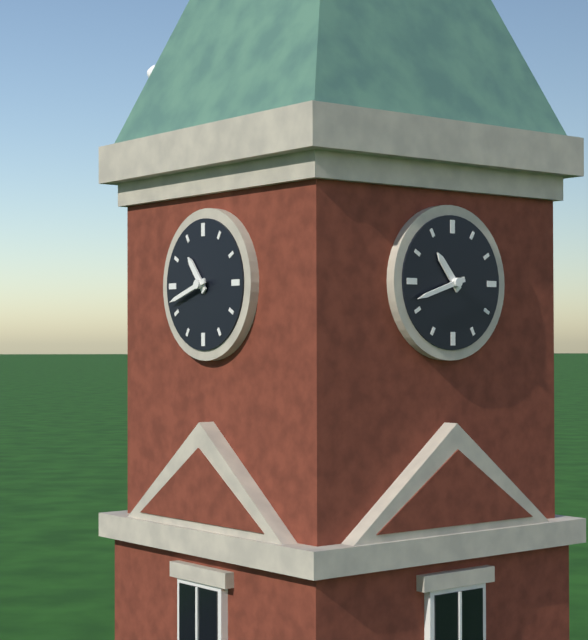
10:42
